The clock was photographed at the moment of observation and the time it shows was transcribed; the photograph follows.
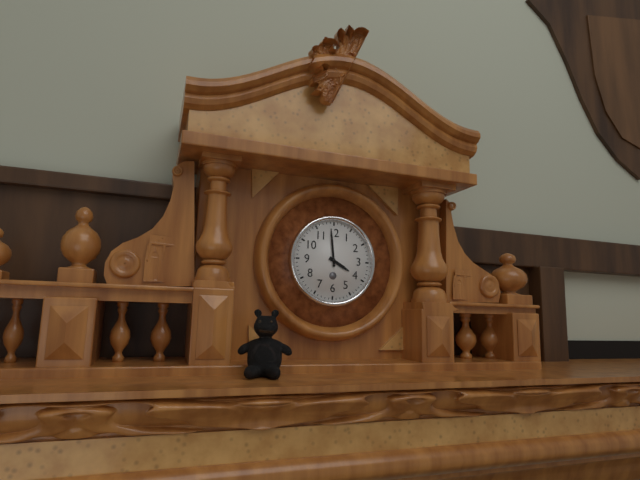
3:59
